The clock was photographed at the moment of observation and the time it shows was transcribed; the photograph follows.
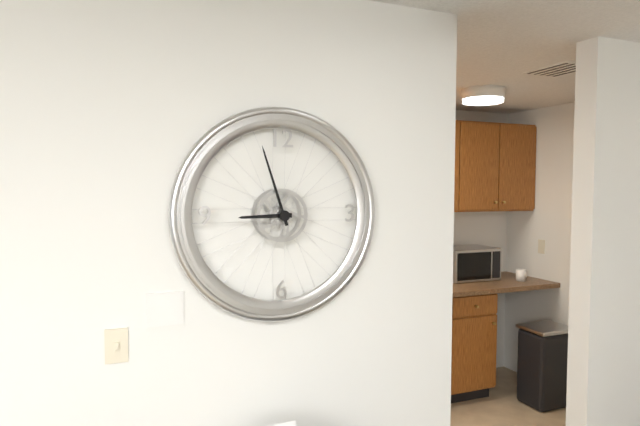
8:57
